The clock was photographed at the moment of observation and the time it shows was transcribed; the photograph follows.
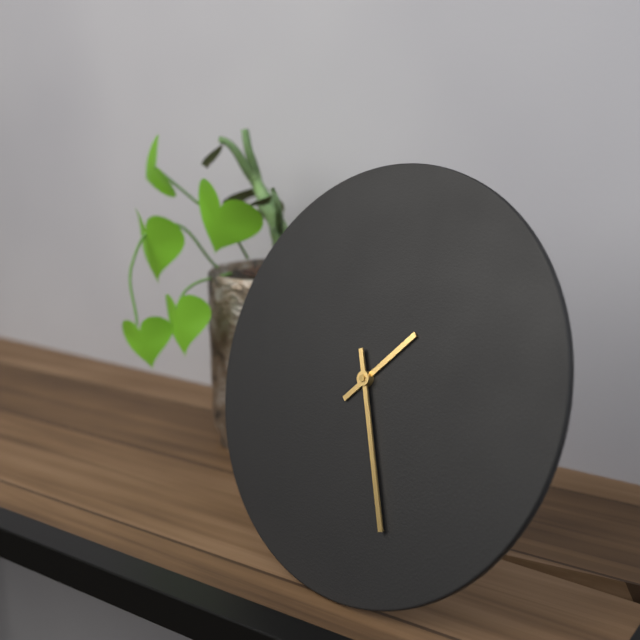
1:26
